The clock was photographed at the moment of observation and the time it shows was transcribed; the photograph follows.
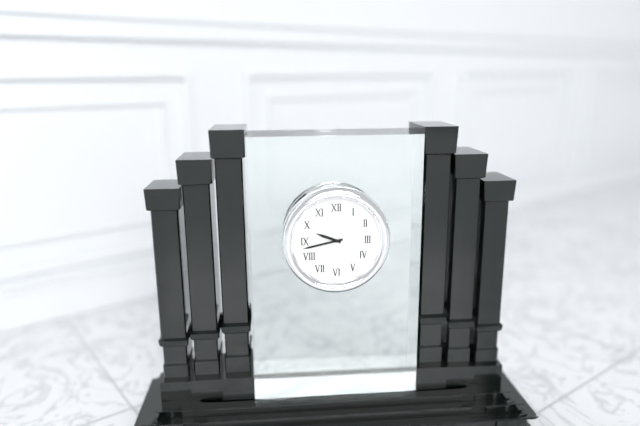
9:43
